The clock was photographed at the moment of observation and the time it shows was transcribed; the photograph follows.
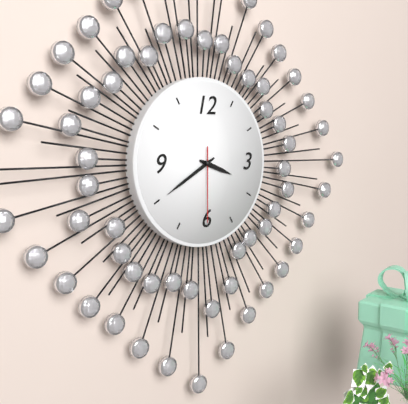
3:40:30
